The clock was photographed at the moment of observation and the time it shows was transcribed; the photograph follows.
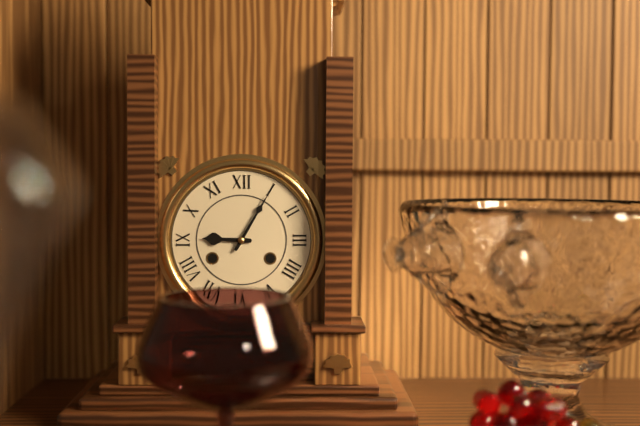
9:05
